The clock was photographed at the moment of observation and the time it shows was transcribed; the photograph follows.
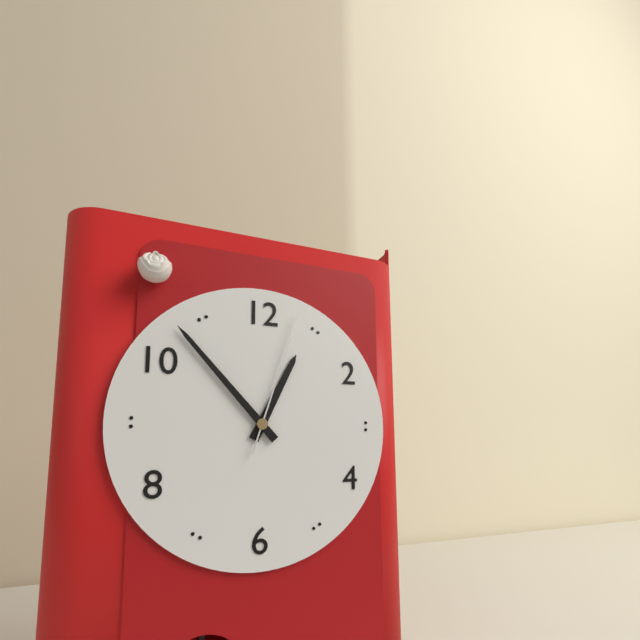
12:53:03
